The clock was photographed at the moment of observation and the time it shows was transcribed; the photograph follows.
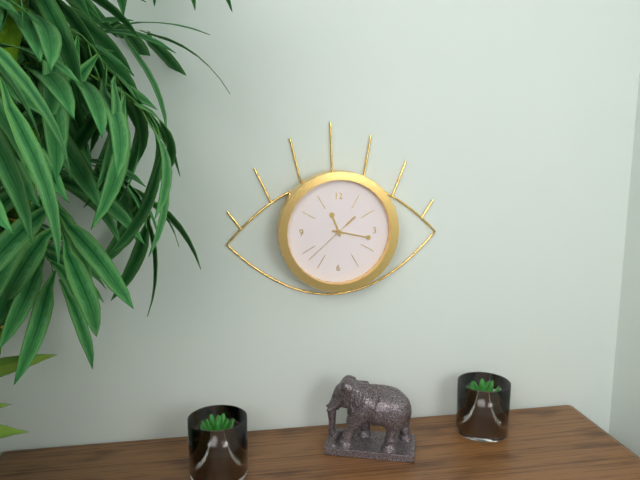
11:17:38
